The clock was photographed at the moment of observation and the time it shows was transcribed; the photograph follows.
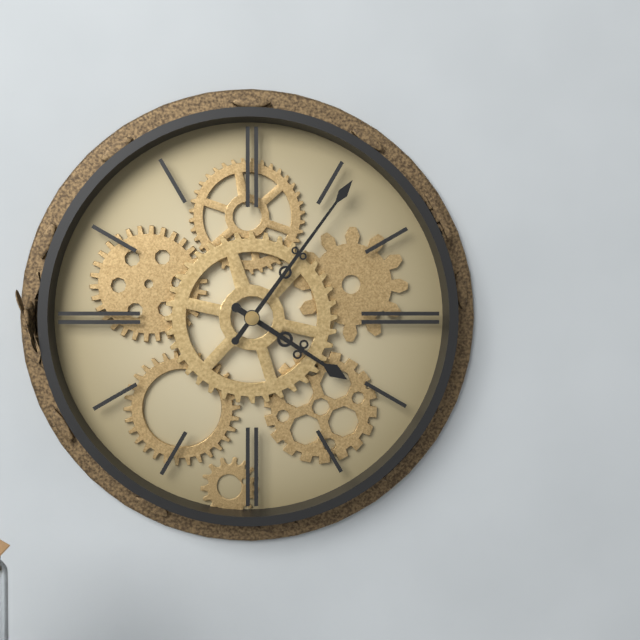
4:06
